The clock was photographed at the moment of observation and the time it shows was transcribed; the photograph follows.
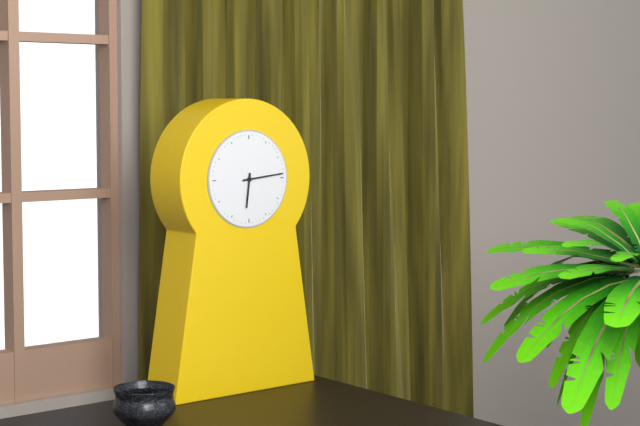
6:14
